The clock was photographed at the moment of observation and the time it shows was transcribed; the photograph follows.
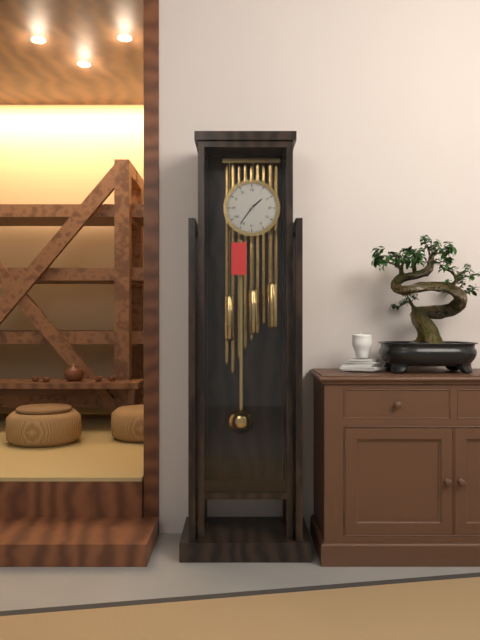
1:36
